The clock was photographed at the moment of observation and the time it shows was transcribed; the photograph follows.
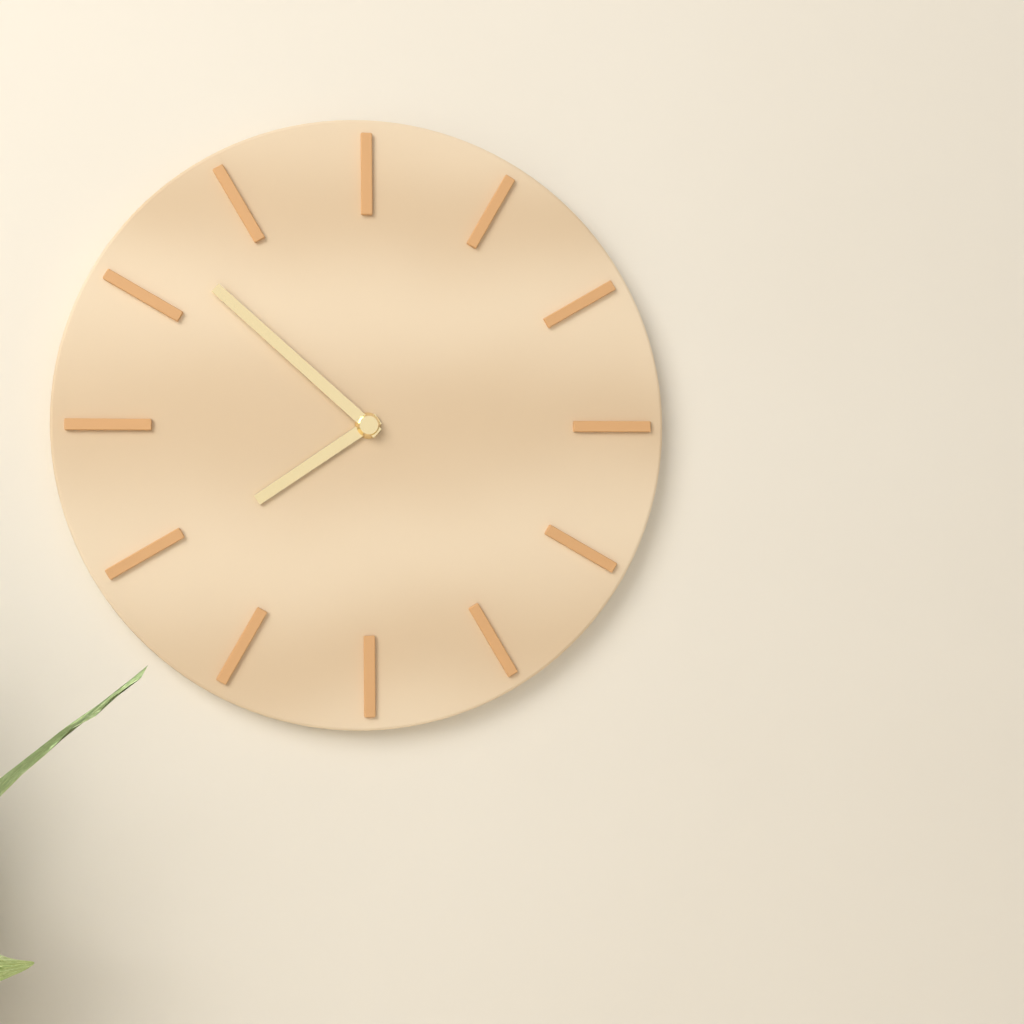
7:52
